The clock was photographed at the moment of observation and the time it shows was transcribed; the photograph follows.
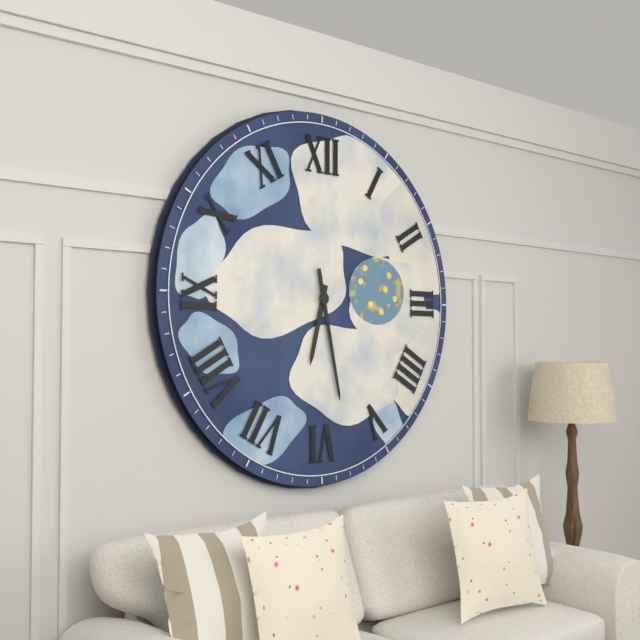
6:28
